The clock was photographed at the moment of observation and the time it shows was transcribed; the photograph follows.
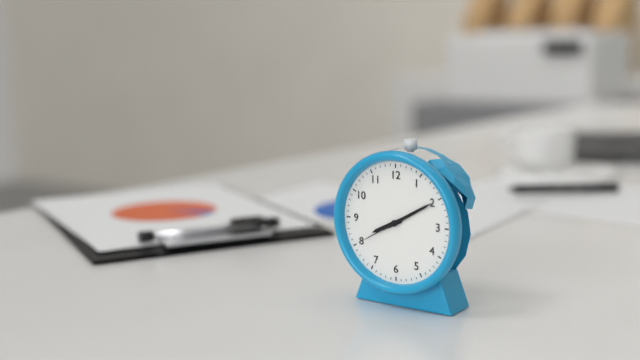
8:10
